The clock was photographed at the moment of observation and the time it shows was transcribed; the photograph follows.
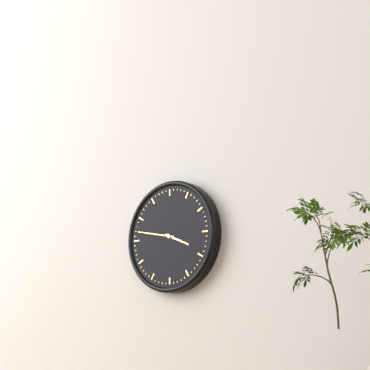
3:47
